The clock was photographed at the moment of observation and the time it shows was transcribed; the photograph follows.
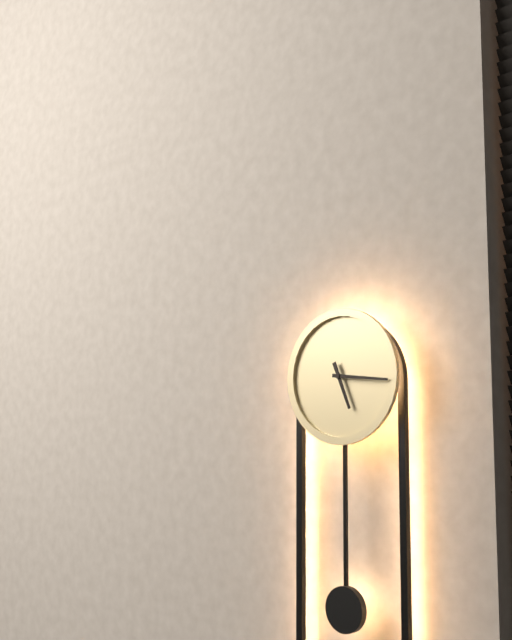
5:16
